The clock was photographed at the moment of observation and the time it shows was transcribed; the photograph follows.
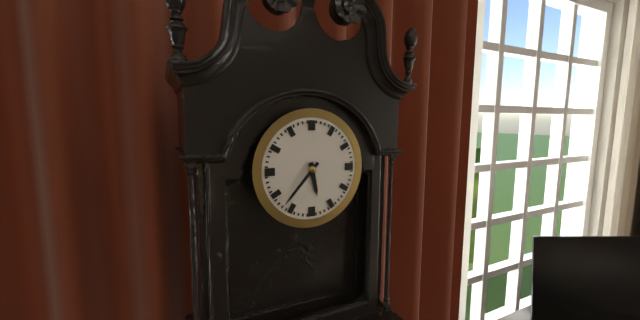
5:37
